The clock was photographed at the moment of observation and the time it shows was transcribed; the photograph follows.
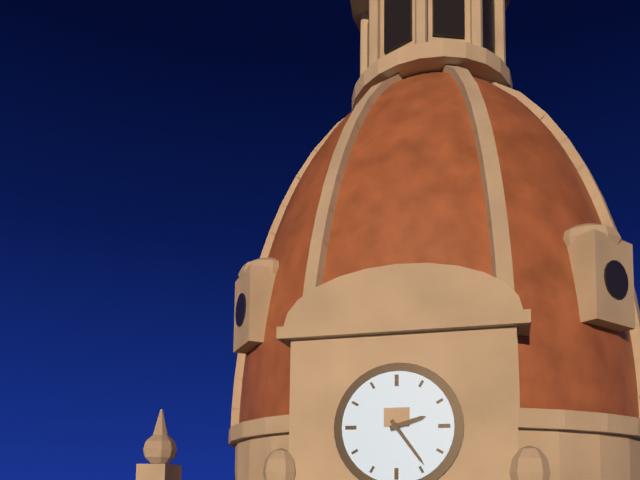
2:24
